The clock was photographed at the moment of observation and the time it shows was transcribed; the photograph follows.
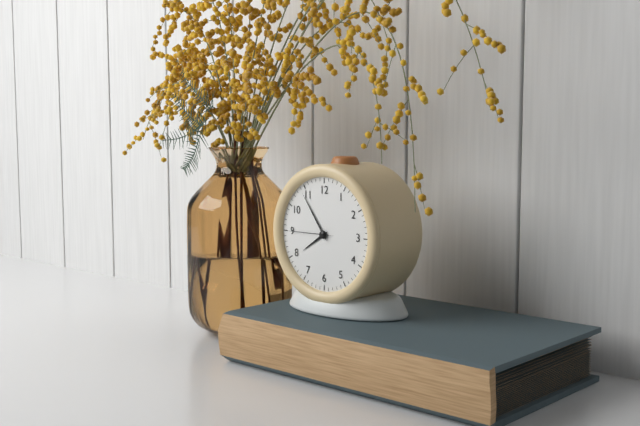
7:54
